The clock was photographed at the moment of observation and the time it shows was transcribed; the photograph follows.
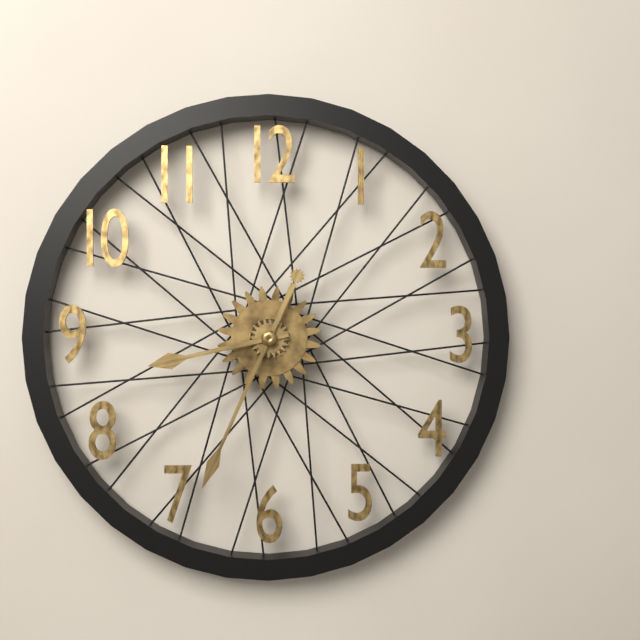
8:34
